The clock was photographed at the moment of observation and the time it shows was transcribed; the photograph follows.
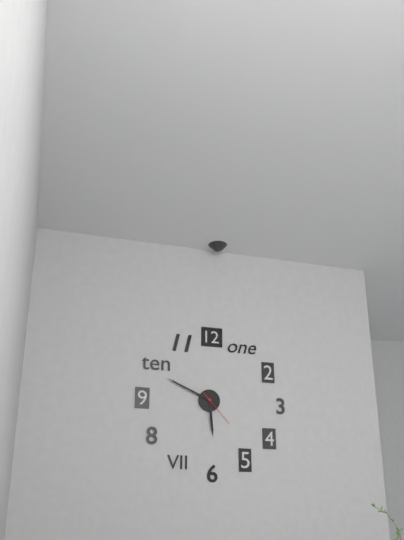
5:49
